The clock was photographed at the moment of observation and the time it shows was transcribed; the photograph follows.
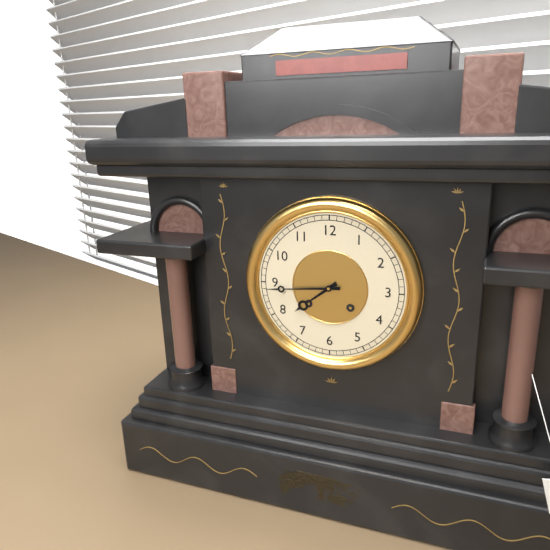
7:44
